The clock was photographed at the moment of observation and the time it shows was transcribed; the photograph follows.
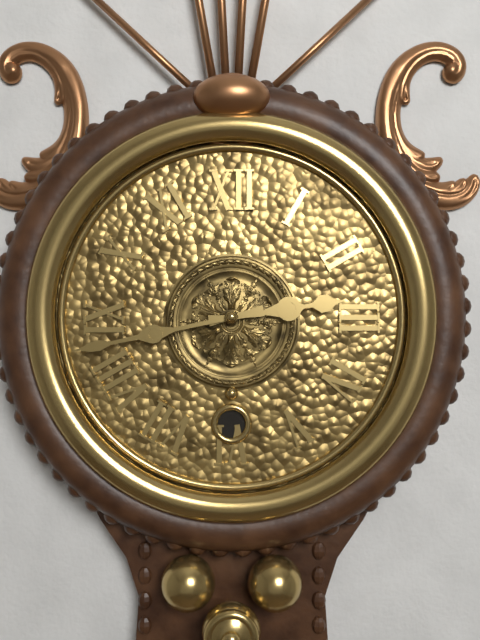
2:43
